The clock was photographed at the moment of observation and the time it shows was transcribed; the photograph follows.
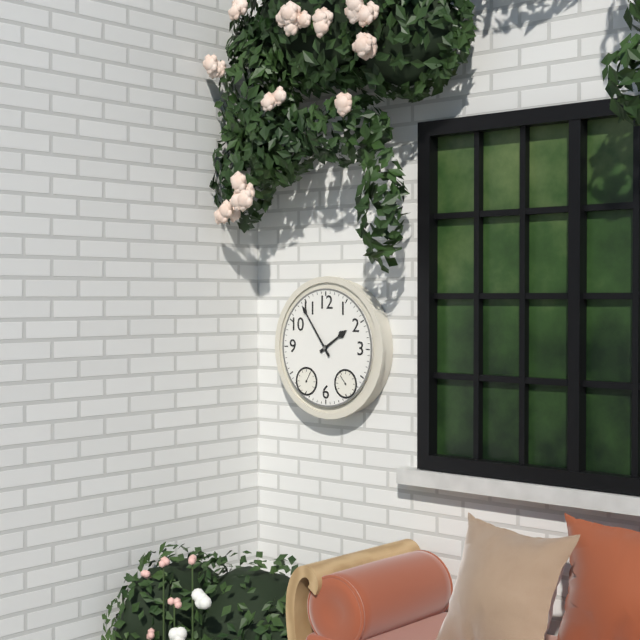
1:54
